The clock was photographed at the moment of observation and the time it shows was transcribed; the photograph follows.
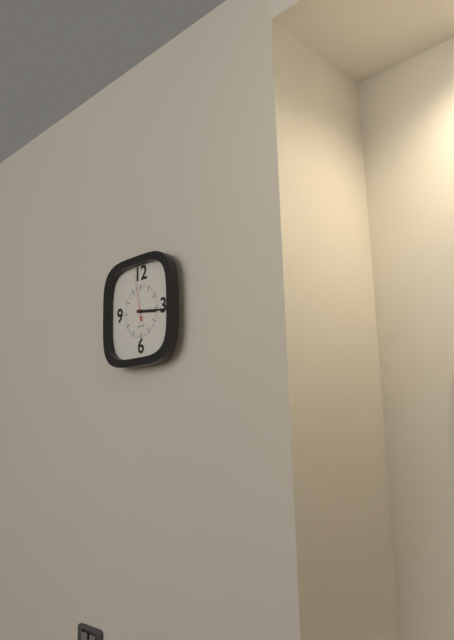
3:16
